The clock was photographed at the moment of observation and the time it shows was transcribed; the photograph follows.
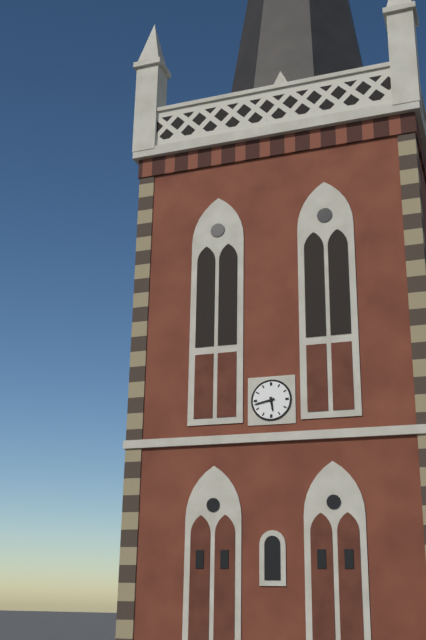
5:43
